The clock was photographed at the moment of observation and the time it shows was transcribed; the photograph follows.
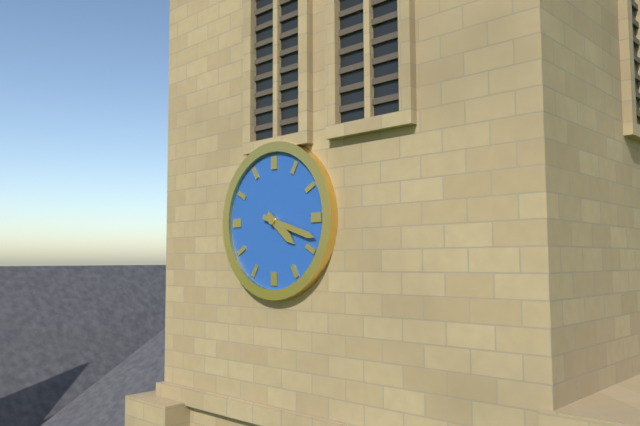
4:18
